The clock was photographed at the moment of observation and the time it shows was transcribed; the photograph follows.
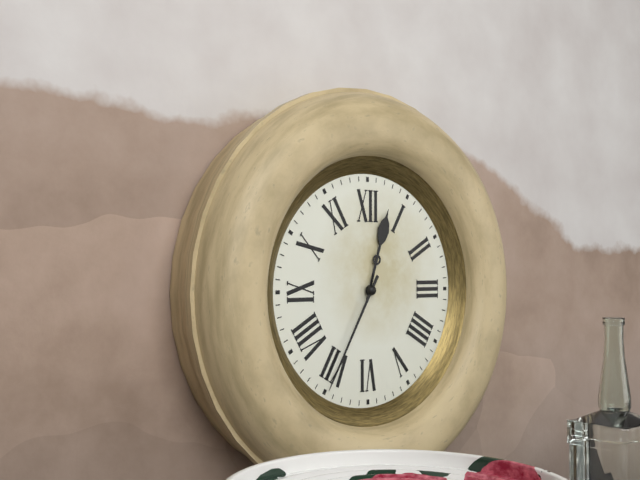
12:35
